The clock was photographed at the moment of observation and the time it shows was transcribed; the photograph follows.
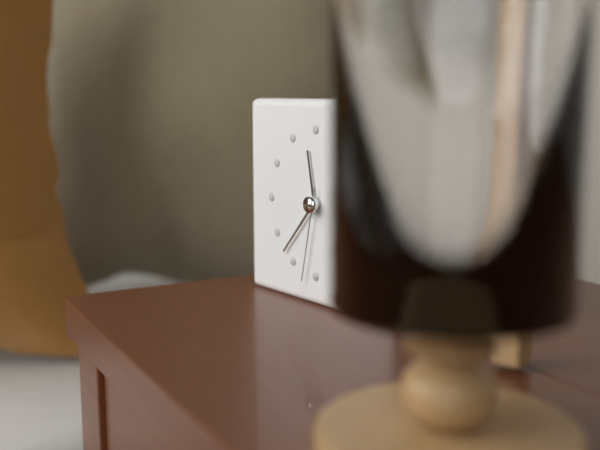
11:37:32
